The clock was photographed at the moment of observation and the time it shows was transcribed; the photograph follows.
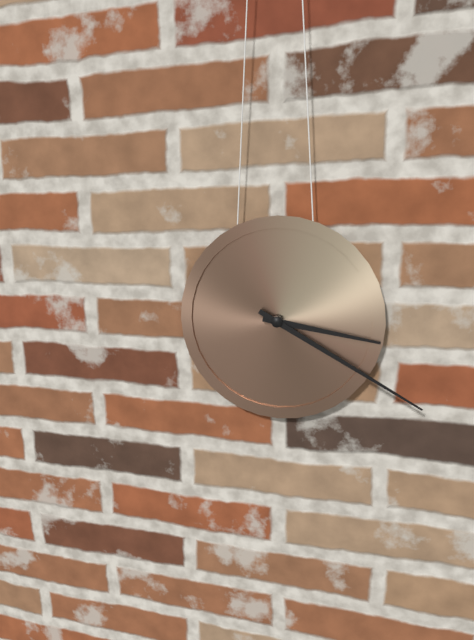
3:20
